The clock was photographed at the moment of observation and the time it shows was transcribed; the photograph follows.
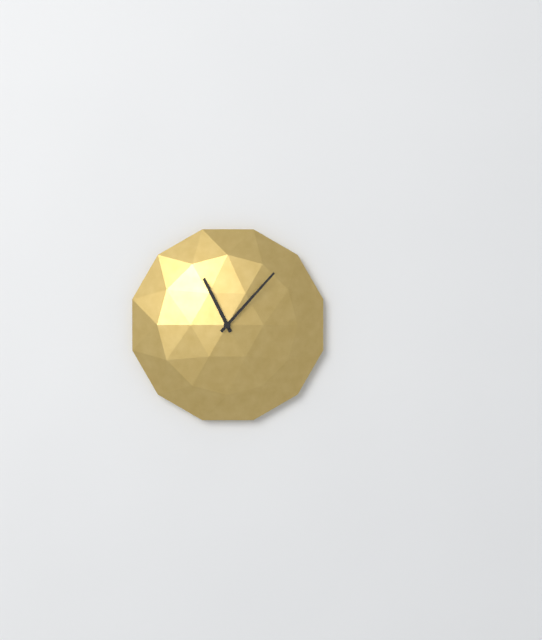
11:07
